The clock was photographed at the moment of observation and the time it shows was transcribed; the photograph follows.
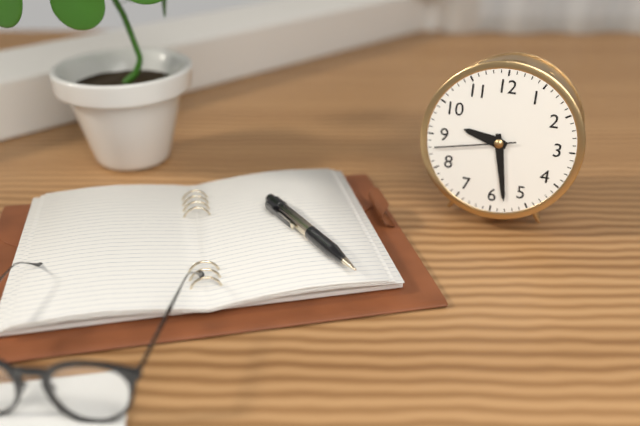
9:28:43
